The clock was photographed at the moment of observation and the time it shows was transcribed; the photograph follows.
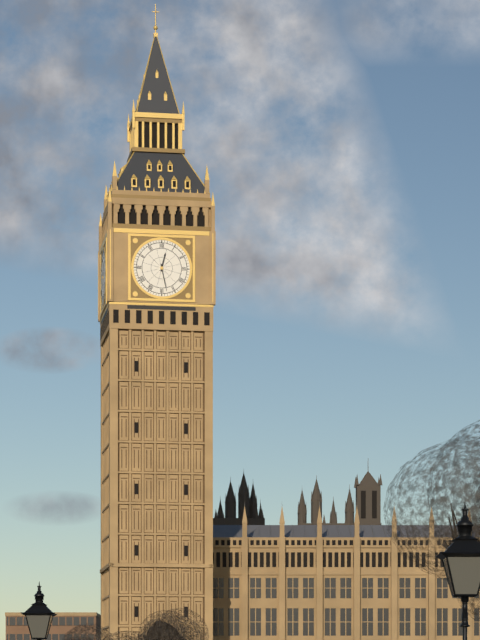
12:28
